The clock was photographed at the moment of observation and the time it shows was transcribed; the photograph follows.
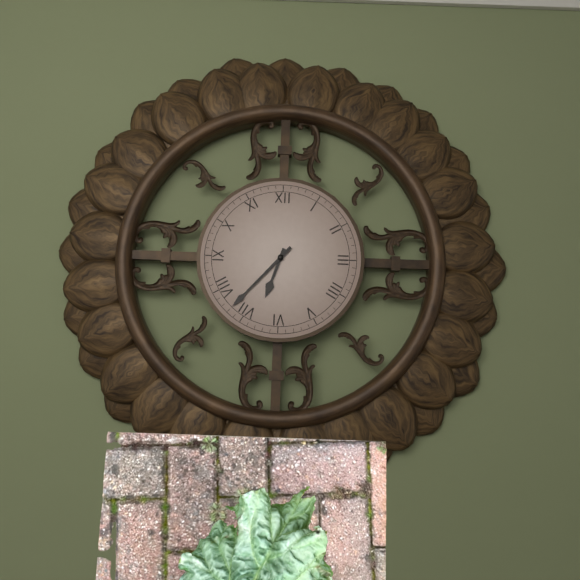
6:37
